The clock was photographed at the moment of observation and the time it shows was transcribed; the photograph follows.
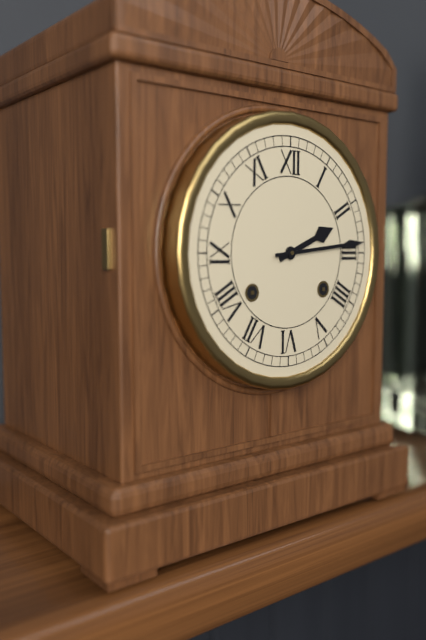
2:14
